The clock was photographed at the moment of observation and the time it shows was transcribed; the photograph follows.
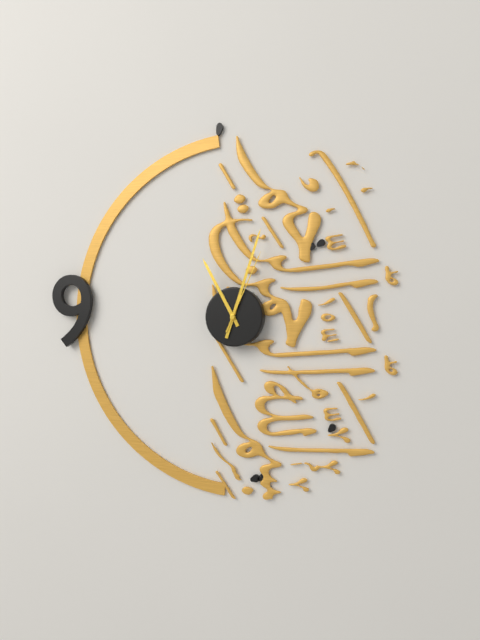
11:03:04
